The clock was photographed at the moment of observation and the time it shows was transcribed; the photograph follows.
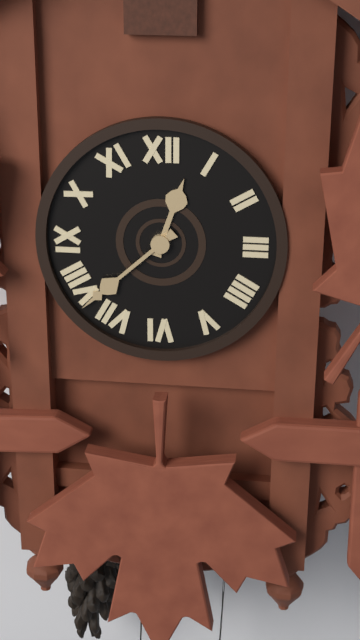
12:38
